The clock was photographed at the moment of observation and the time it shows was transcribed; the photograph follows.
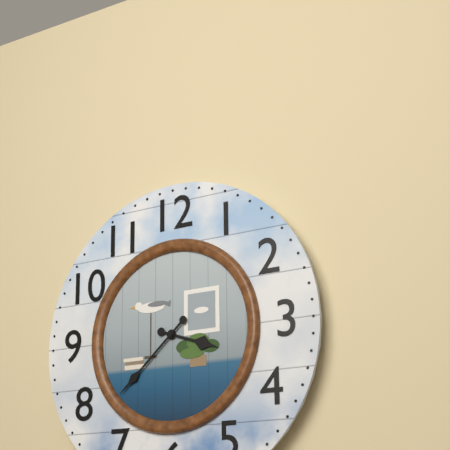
3:38
